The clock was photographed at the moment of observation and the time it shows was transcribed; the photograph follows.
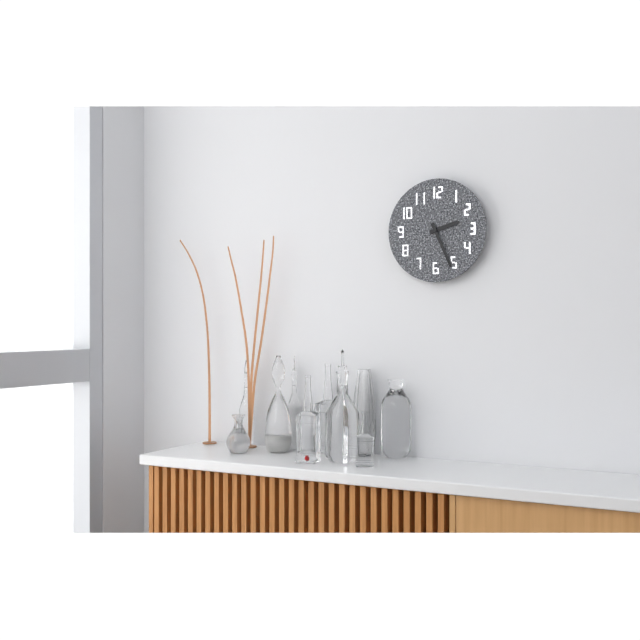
2:26
